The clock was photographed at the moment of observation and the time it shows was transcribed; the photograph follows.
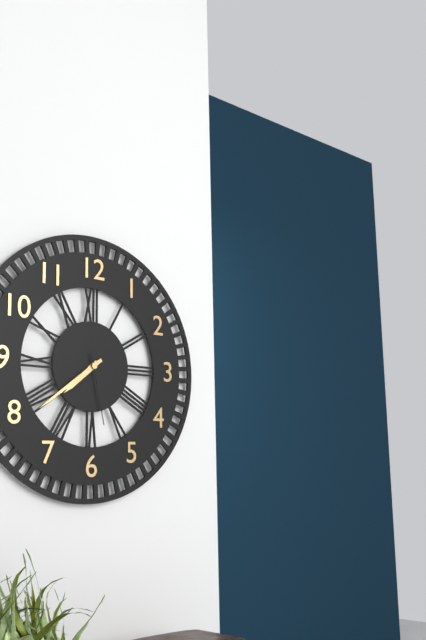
7:39:28
